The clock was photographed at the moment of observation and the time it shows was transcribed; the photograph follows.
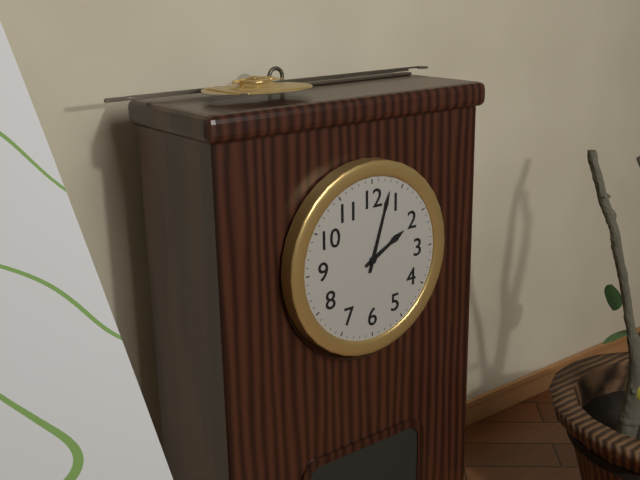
2:03
